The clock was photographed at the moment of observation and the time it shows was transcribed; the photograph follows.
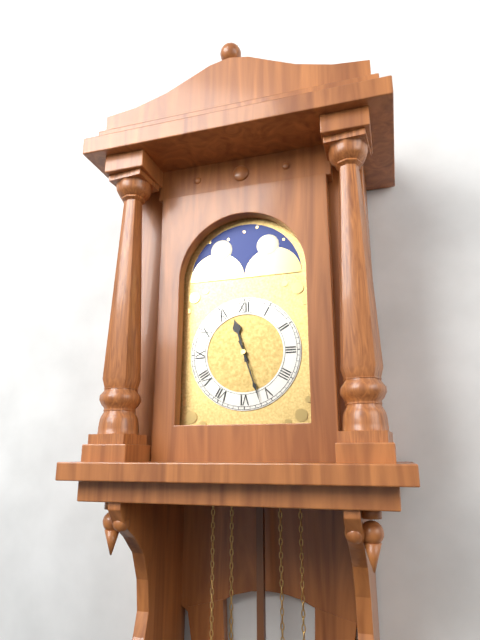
11:27
